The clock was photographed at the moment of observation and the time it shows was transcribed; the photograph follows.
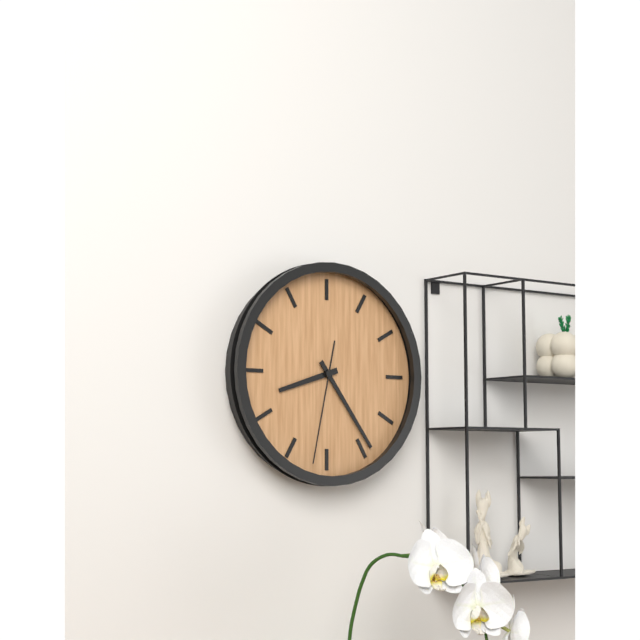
8:24:32
